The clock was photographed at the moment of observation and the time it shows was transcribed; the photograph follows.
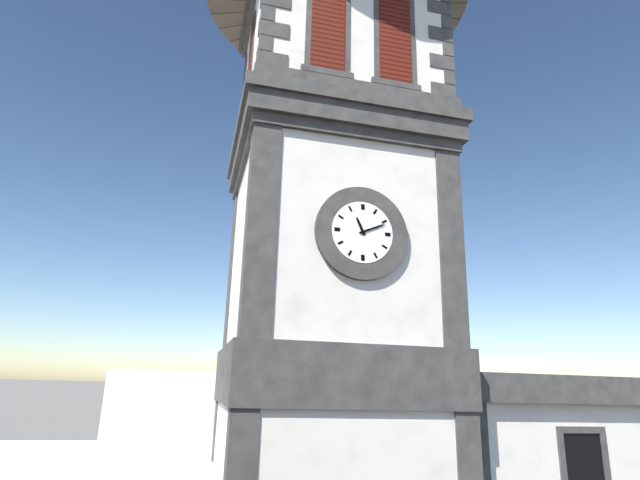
11:11
